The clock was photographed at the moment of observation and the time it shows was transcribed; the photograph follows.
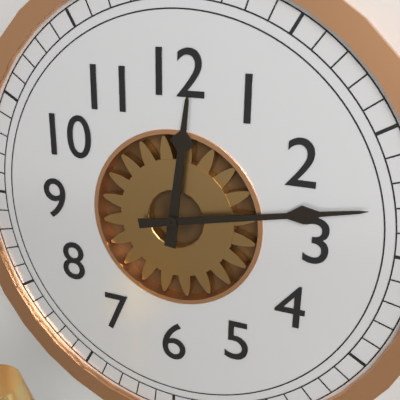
12:13
